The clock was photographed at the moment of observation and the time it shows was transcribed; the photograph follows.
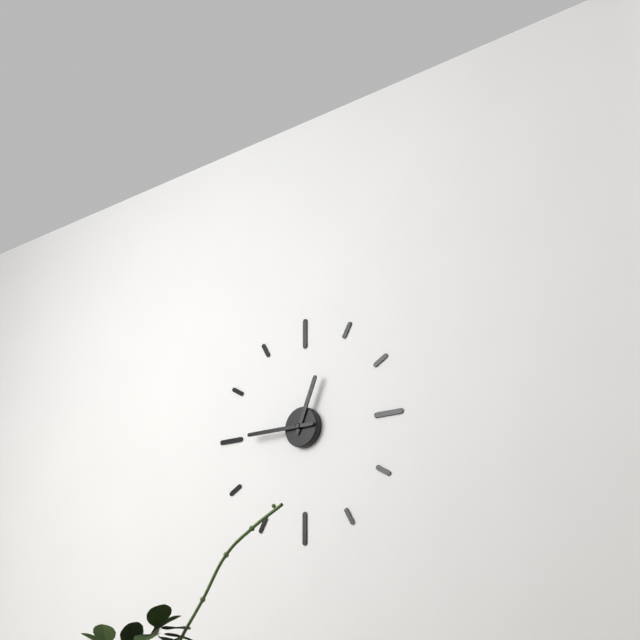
12:45
